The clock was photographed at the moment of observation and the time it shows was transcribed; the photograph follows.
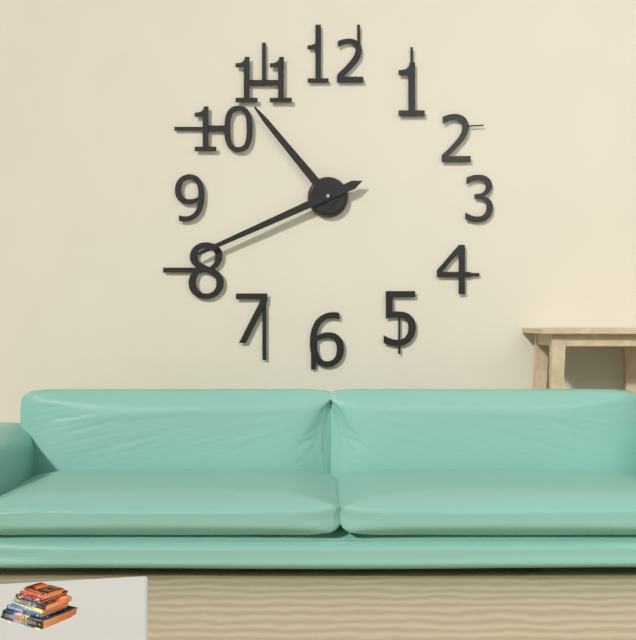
10:41
